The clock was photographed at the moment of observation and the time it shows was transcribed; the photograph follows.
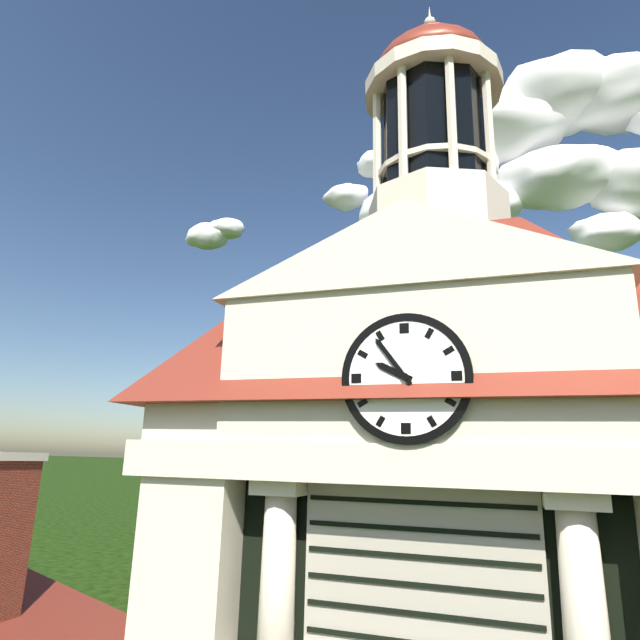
9:54
